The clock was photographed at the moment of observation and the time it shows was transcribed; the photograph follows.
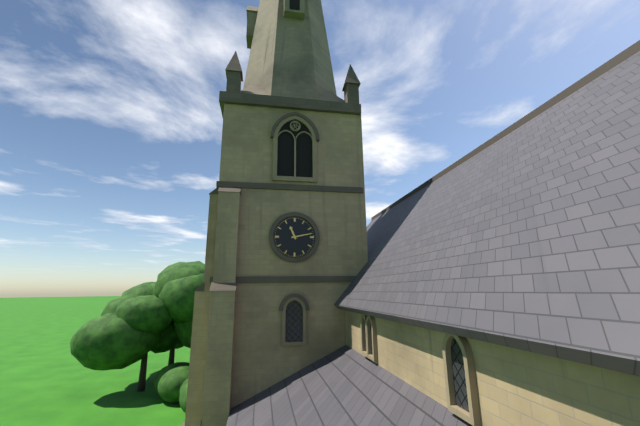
11:13
